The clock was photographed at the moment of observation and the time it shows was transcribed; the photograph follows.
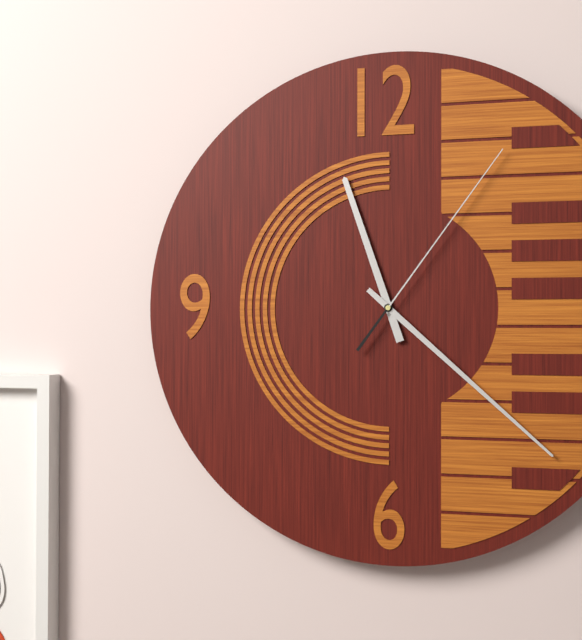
11:22:06
